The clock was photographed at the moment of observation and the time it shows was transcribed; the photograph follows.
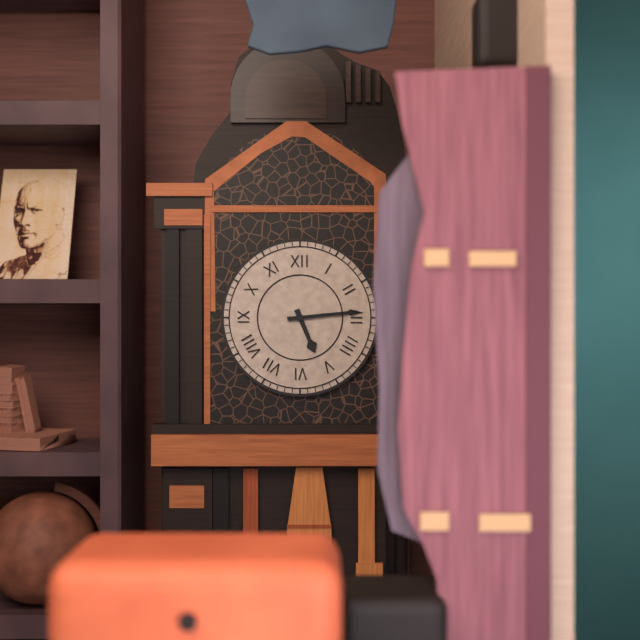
5:14
